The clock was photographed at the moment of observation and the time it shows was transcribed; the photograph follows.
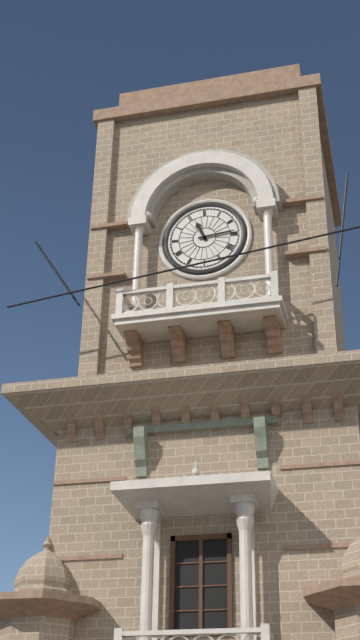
11:14
